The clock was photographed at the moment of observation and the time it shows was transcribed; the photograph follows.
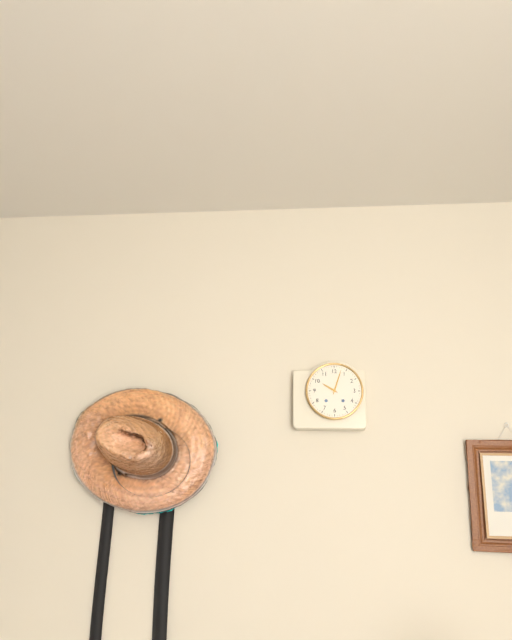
10:03
